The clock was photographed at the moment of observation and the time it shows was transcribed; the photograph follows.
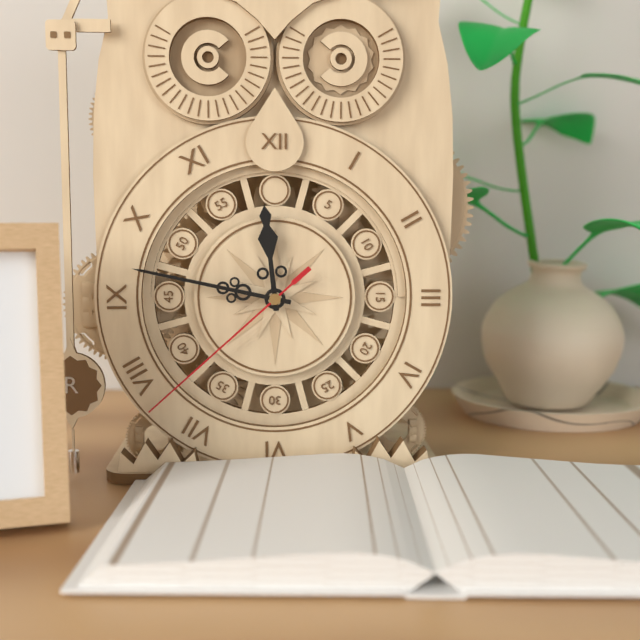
11:47:38
